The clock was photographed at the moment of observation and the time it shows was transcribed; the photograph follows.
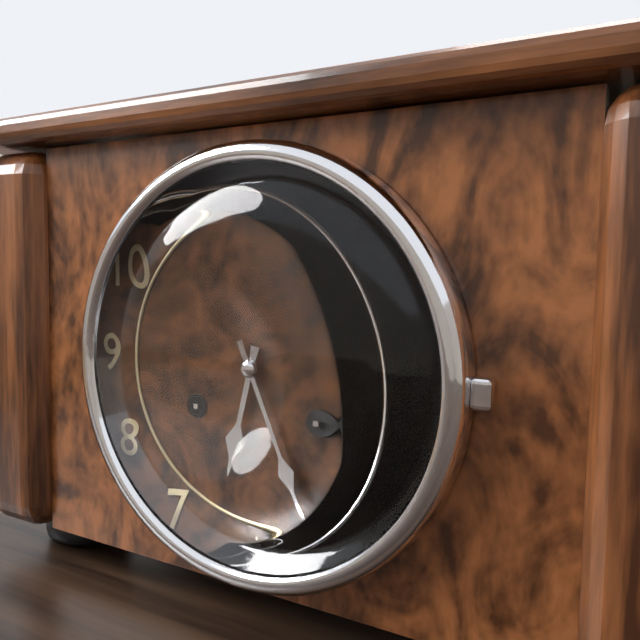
6:26
